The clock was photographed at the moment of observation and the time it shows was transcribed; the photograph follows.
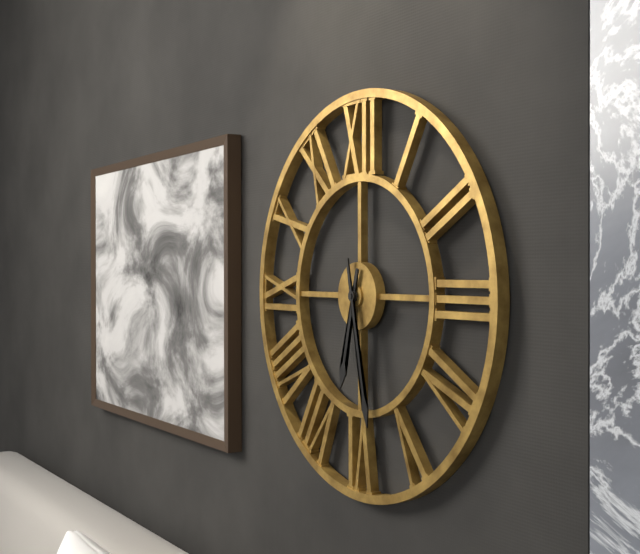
6:28
